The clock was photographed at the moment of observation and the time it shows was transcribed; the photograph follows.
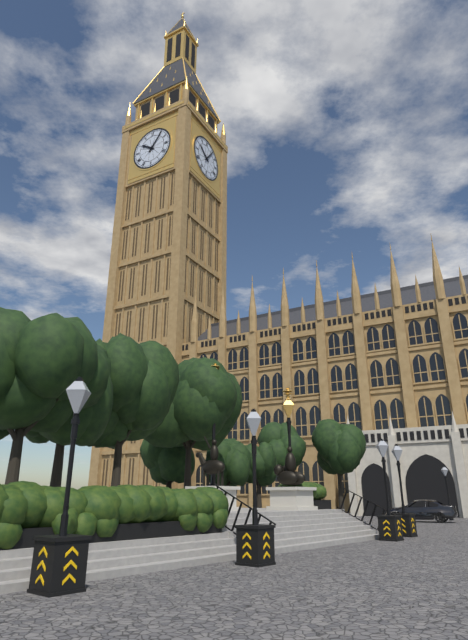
10:06
